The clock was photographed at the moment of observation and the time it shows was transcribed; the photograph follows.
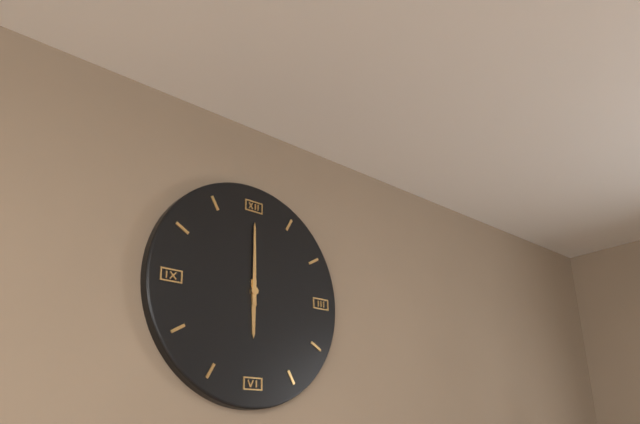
6:00
